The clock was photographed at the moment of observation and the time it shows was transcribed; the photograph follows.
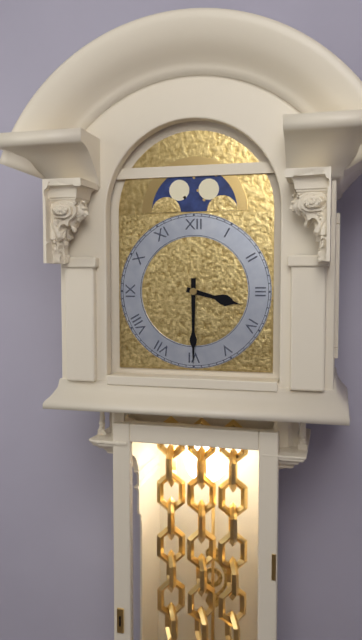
3:30
